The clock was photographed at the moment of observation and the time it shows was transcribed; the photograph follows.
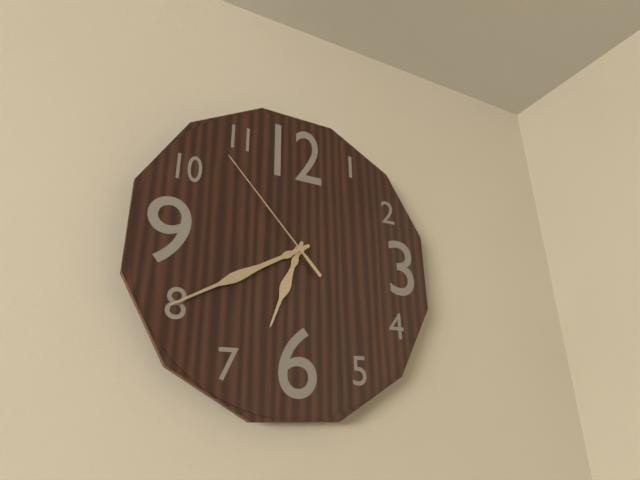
6:40:53
